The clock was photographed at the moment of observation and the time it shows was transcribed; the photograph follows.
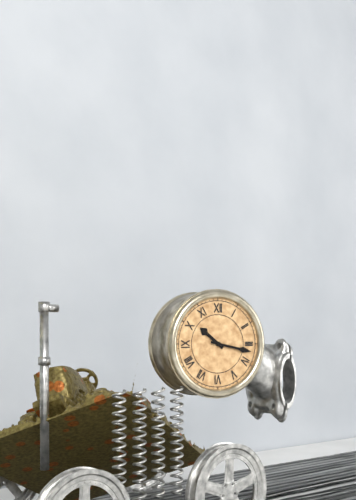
10:17
